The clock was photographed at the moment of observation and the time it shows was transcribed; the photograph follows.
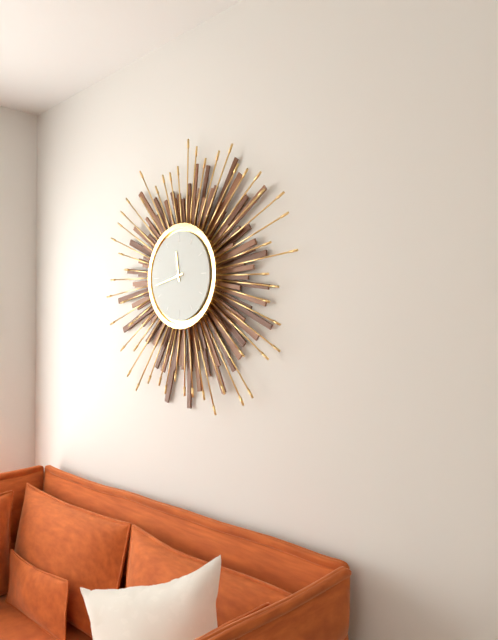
11:43
